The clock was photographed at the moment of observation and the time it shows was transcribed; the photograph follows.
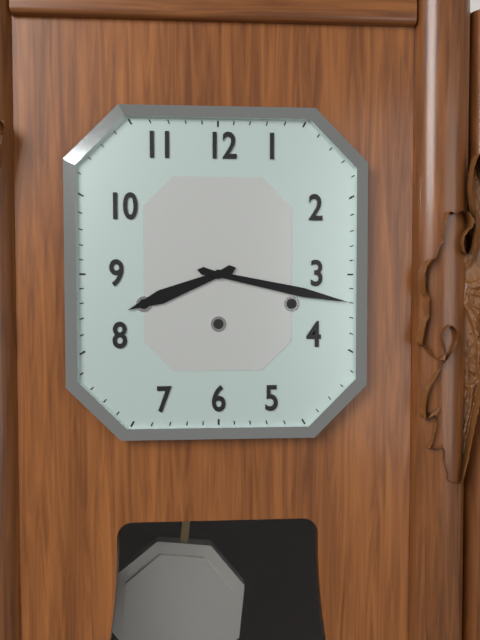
8:17
